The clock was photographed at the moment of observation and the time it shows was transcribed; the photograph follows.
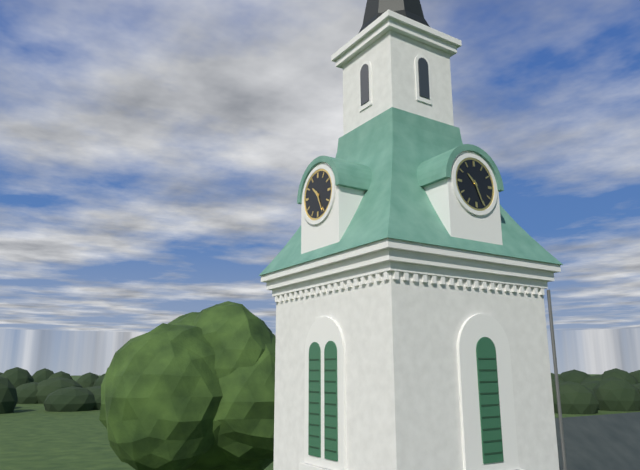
10:26
